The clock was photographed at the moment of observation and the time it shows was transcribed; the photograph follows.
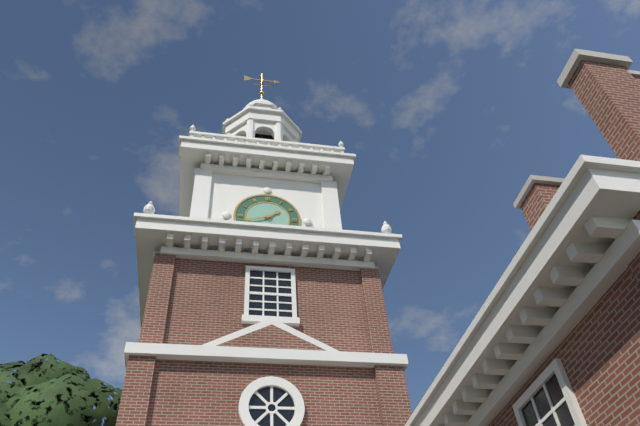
1:42
